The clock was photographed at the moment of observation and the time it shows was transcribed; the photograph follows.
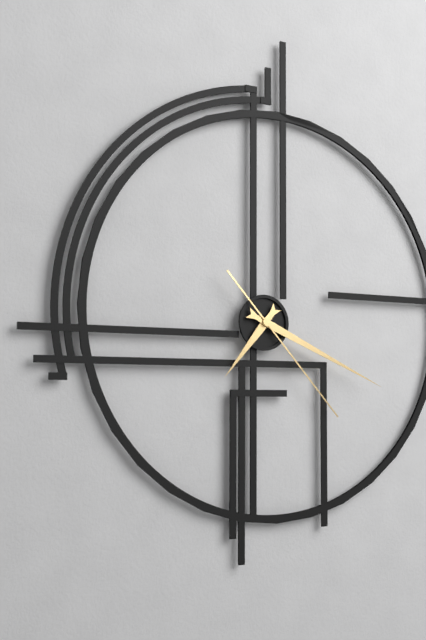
7:19:23
